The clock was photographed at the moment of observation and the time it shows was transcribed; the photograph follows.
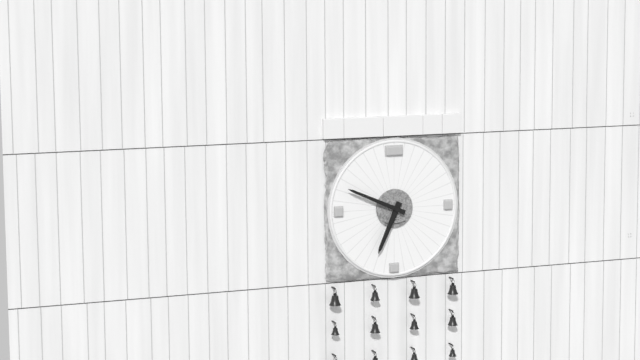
6:49
